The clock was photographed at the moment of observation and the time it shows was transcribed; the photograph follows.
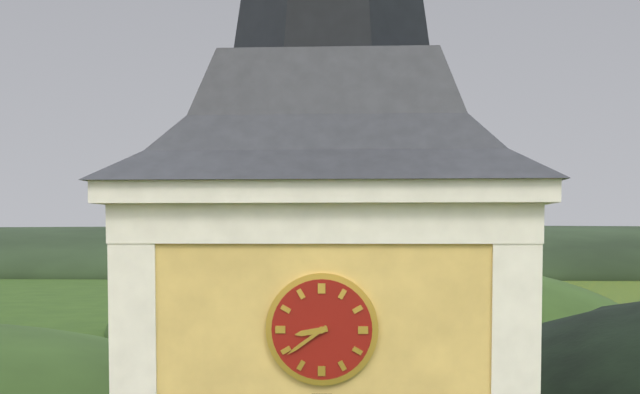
8:39
